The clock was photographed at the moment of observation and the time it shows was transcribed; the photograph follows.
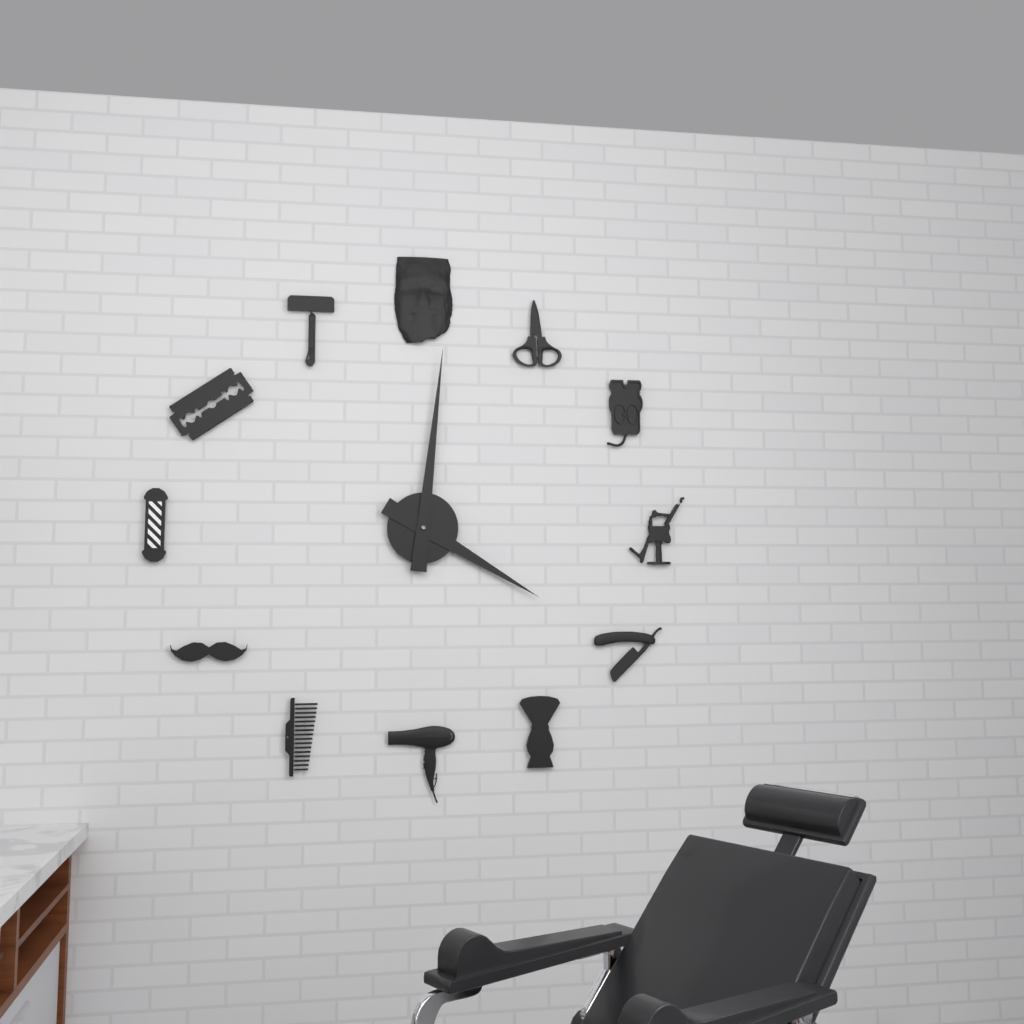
4:01
